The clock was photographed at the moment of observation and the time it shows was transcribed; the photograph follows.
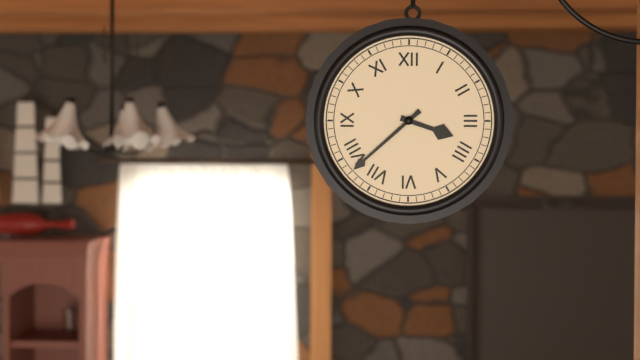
3:38
